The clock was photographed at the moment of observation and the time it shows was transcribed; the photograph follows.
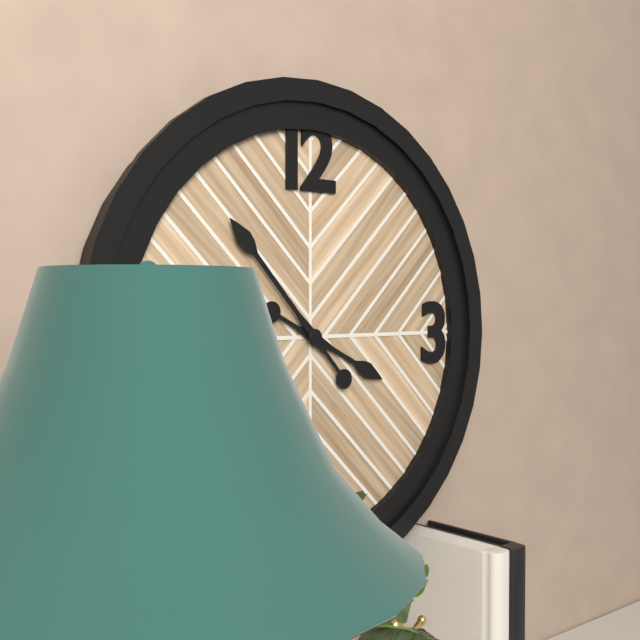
3:53
